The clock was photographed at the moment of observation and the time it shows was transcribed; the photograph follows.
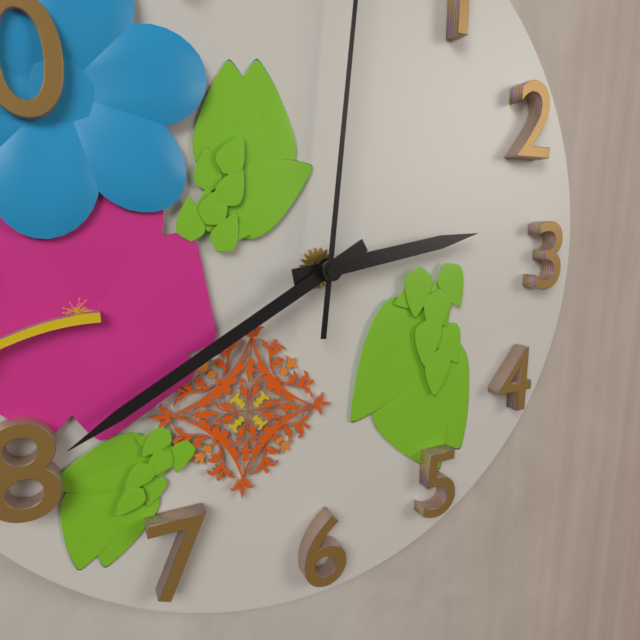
2:40
